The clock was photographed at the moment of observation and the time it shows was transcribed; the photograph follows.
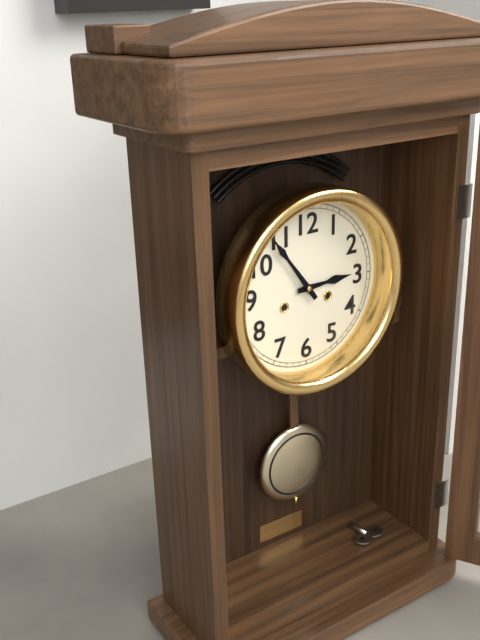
2:54
